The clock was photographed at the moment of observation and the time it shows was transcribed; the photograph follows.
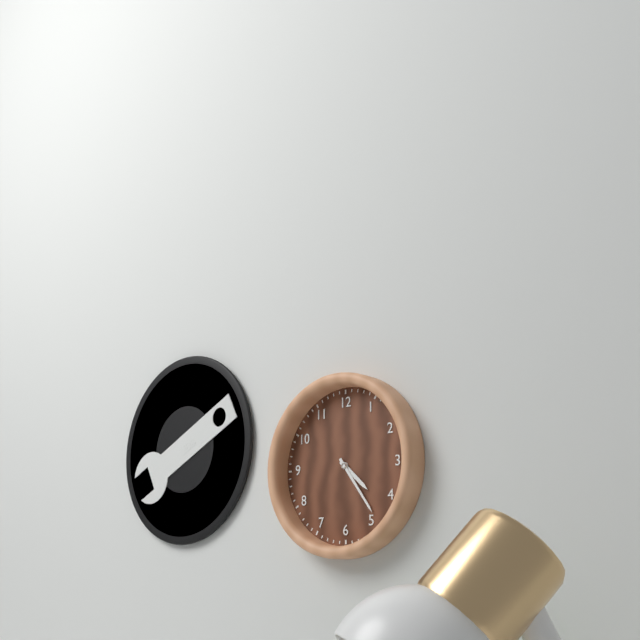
4:24
